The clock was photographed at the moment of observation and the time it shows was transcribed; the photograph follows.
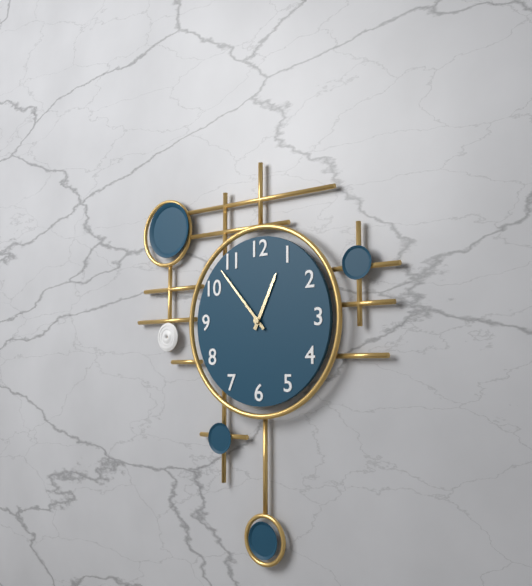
12:53
